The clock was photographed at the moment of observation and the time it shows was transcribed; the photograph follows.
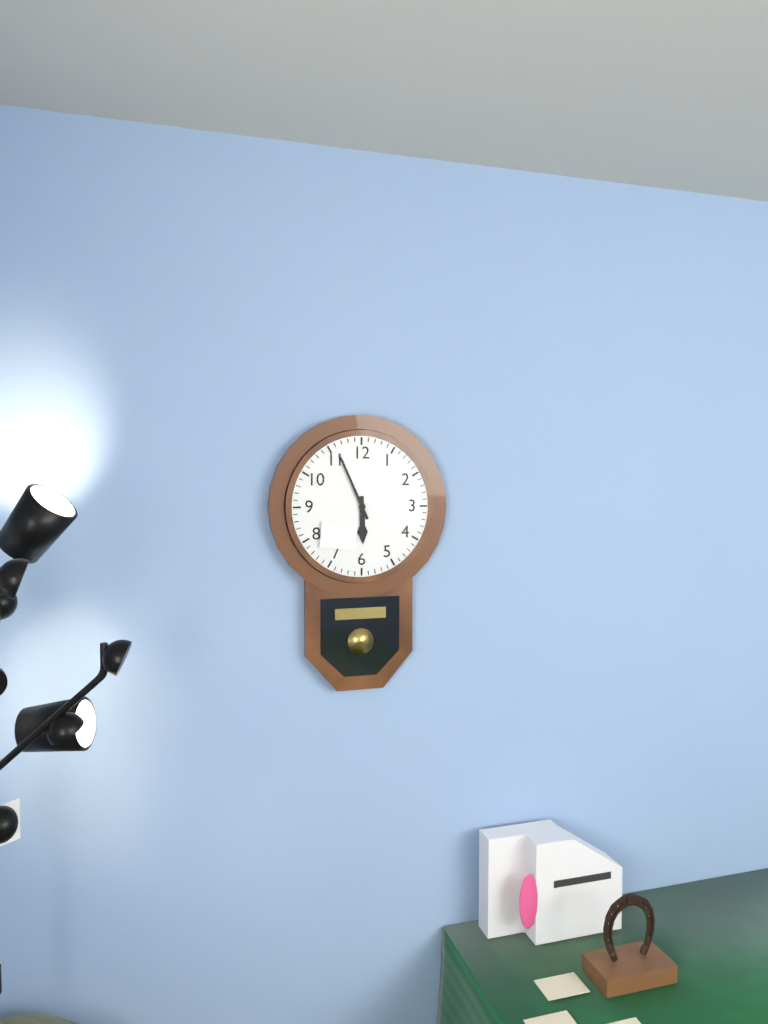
5:56
